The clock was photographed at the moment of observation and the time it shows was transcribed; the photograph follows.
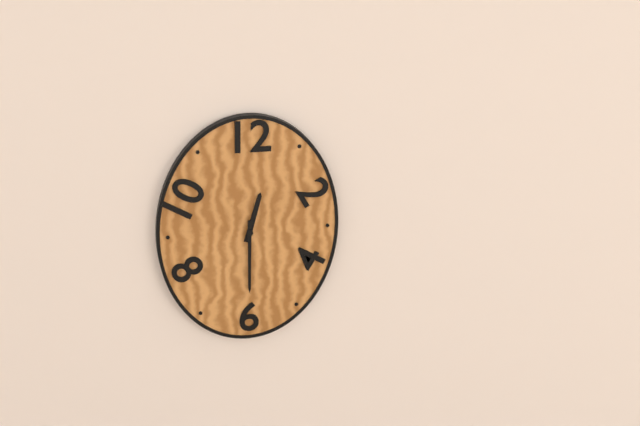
12:30
